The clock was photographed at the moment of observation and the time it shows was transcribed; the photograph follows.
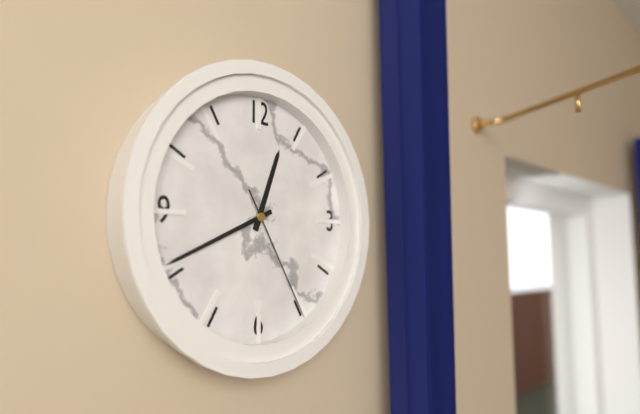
12:41:25
